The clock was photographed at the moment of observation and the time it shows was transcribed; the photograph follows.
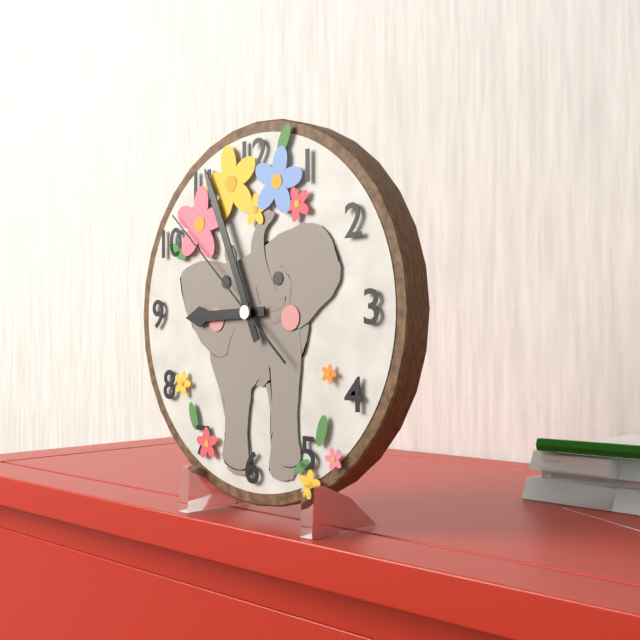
8:56:52
